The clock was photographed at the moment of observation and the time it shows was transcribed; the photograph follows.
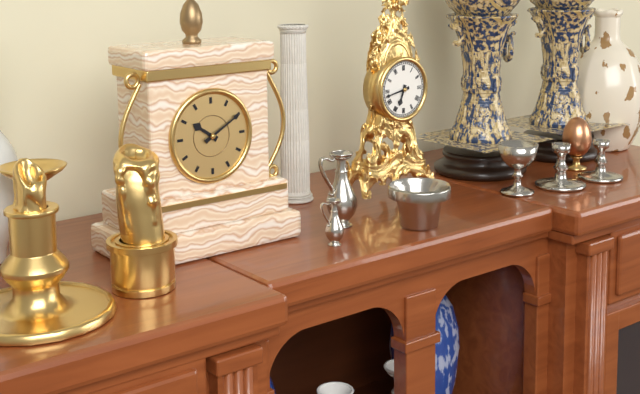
6:43
